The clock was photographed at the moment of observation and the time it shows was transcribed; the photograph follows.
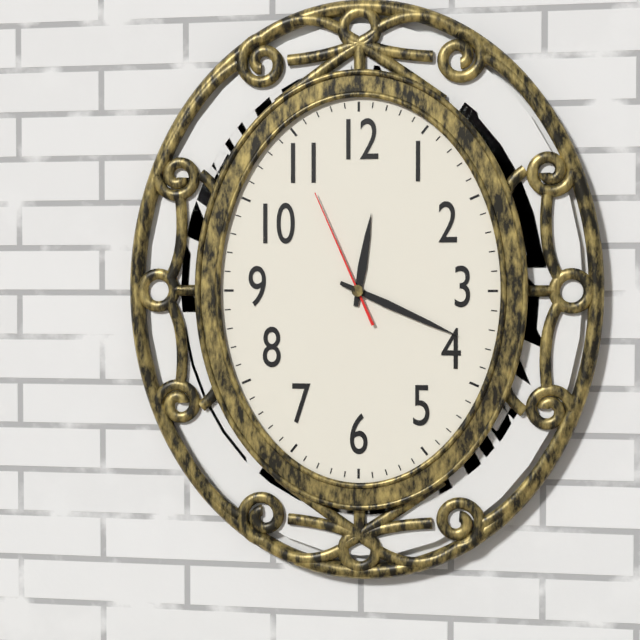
12:19:56
